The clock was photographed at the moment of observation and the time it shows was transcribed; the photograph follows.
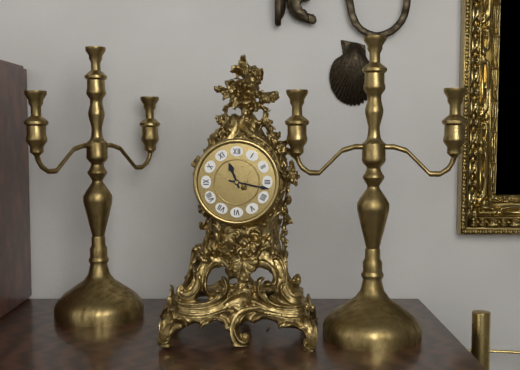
11:17
